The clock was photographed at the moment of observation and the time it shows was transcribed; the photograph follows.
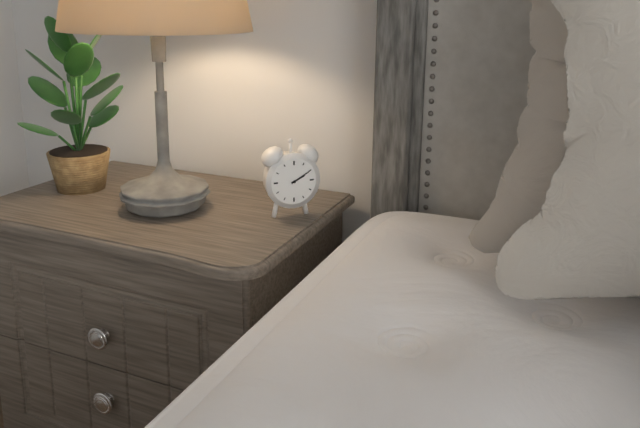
2:10
